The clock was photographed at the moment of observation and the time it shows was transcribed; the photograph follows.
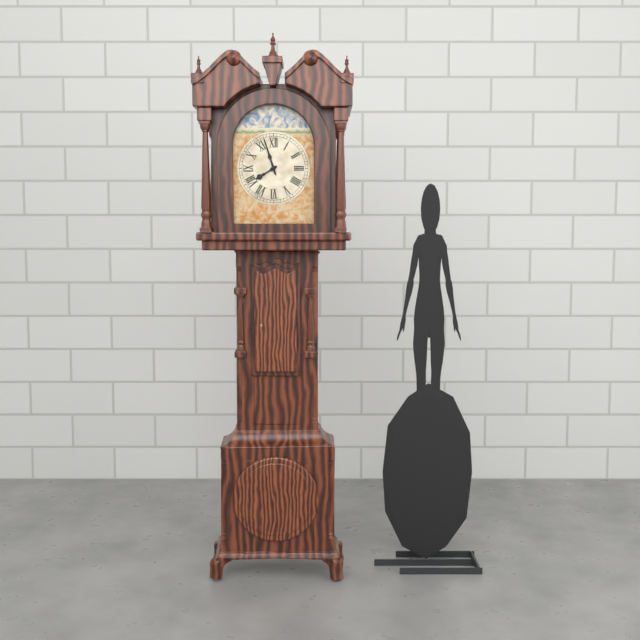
7:57
